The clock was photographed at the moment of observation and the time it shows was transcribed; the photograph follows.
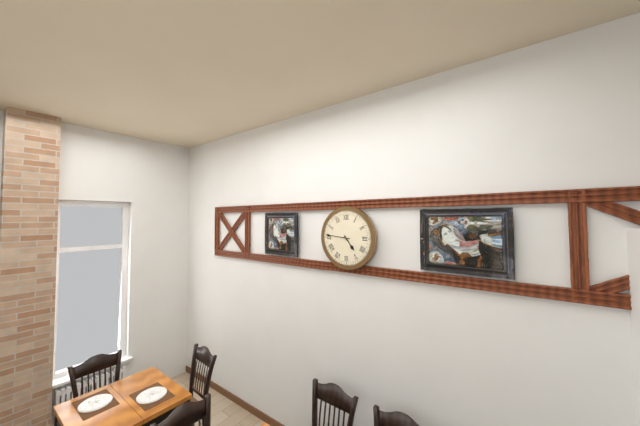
4:46
